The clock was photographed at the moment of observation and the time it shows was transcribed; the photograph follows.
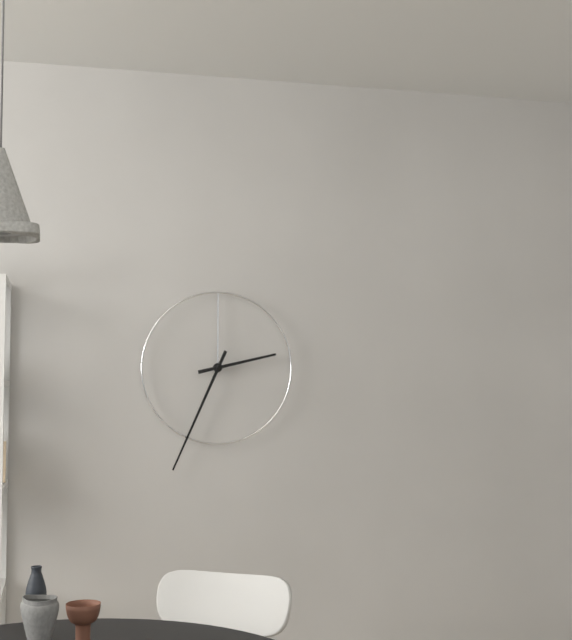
2:34
